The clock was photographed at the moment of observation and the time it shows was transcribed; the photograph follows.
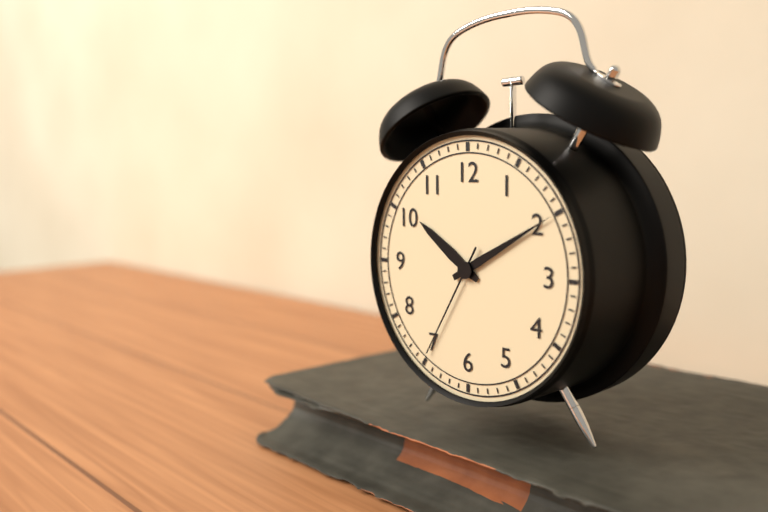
10:10:35
